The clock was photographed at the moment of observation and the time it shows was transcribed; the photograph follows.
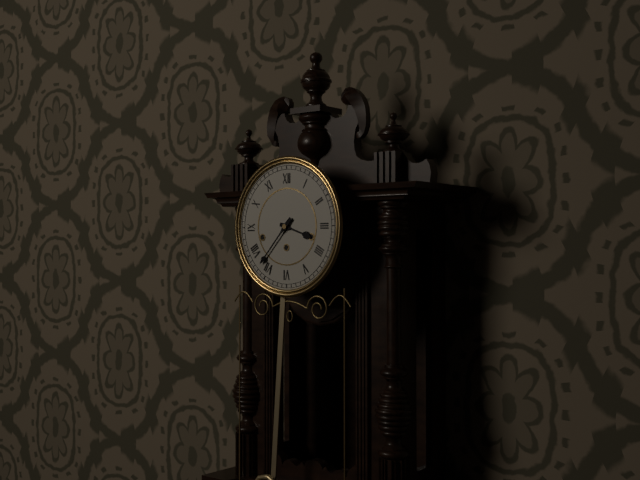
3:37
